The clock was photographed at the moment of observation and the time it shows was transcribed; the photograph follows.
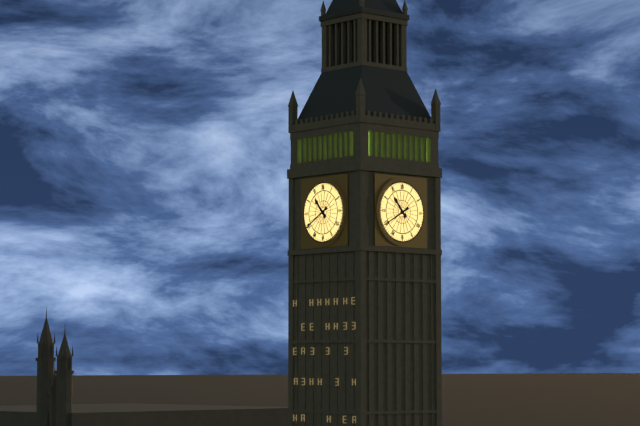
10:40
